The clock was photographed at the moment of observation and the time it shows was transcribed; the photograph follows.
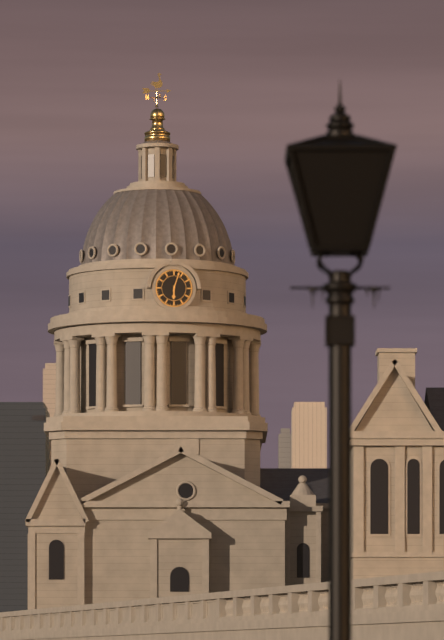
6:03
